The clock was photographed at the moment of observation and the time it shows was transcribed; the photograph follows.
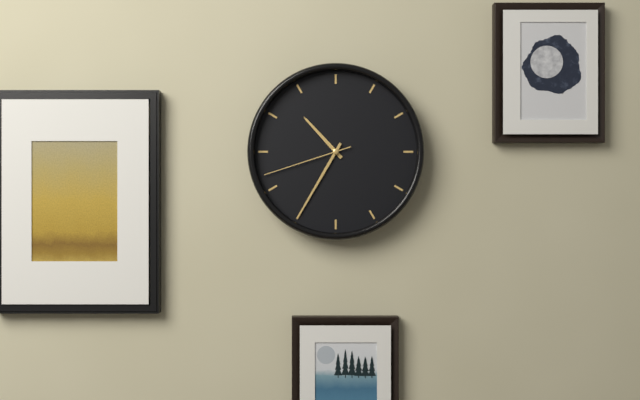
10:35:42
